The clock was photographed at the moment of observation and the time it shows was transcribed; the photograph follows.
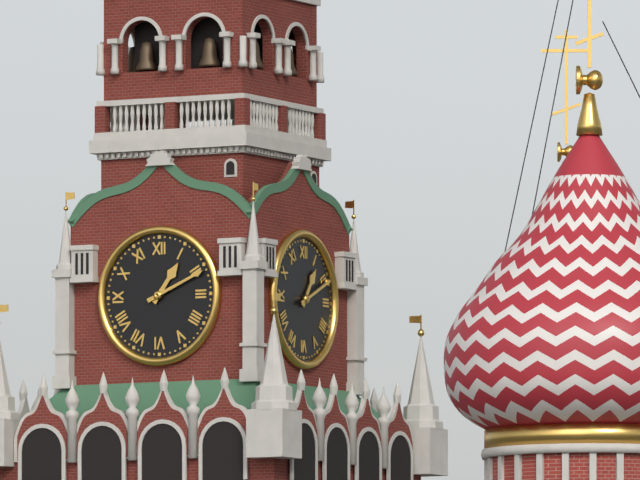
1:11
